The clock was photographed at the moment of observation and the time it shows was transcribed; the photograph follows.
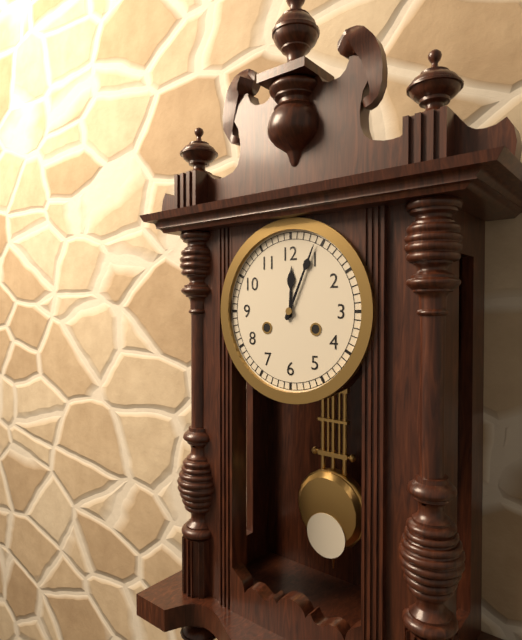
12:04
